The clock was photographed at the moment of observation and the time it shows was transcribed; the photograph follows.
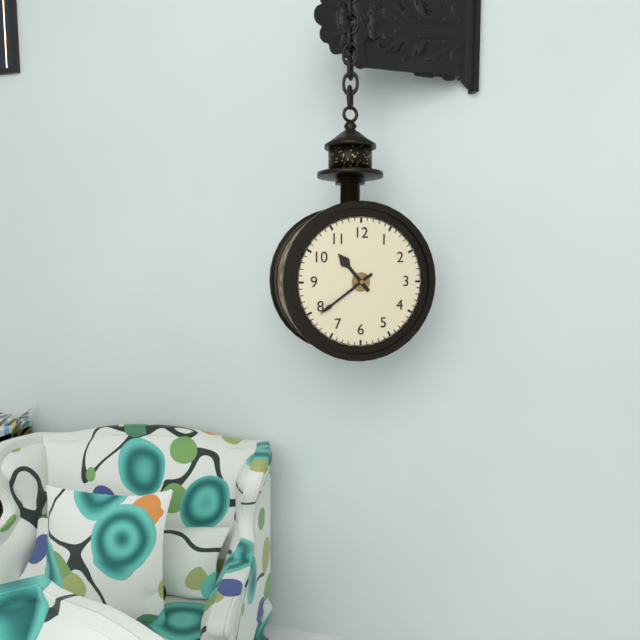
10:39
